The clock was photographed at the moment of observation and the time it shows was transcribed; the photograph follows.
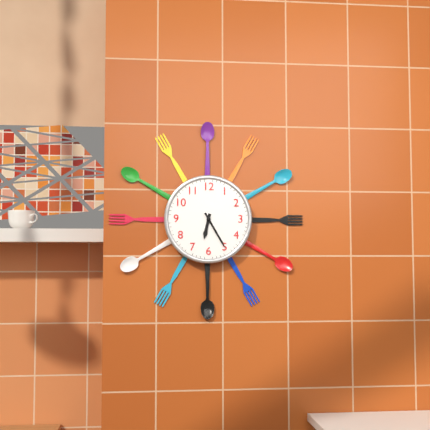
6:25
